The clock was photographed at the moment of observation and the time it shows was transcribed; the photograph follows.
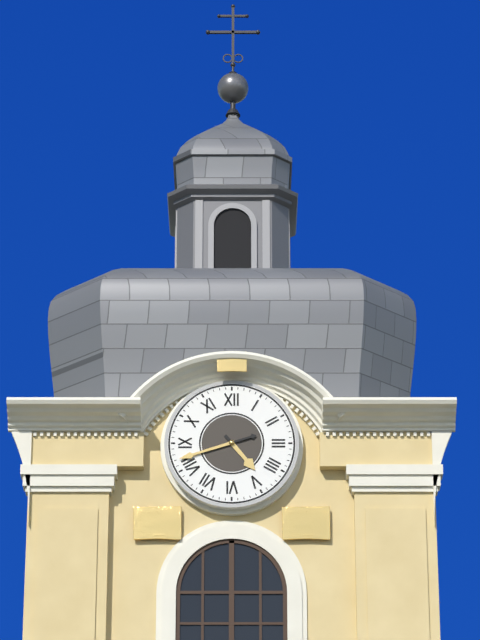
4:42
